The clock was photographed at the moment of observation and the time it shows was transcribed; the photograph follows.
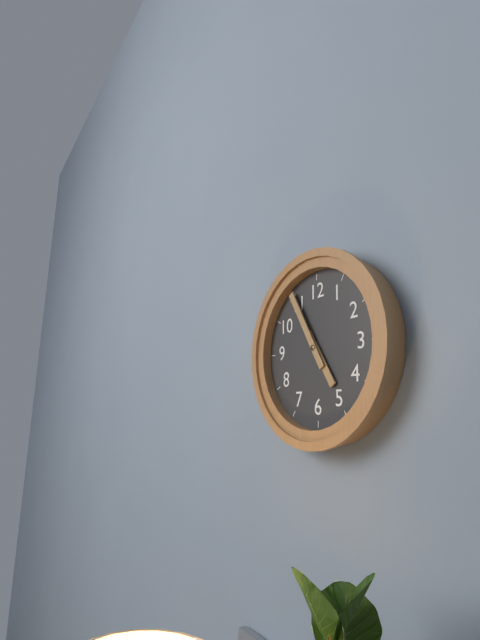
4:55
